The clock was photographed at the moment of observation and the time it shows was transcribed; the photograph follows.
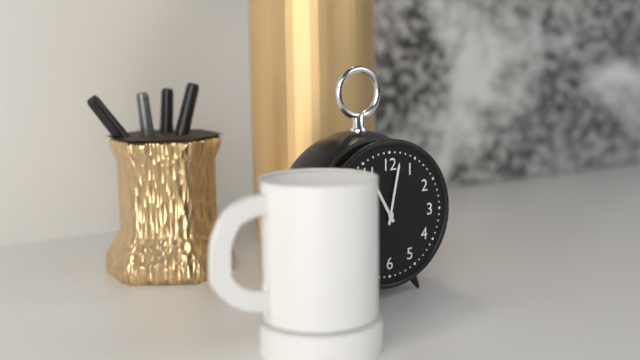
11:02
